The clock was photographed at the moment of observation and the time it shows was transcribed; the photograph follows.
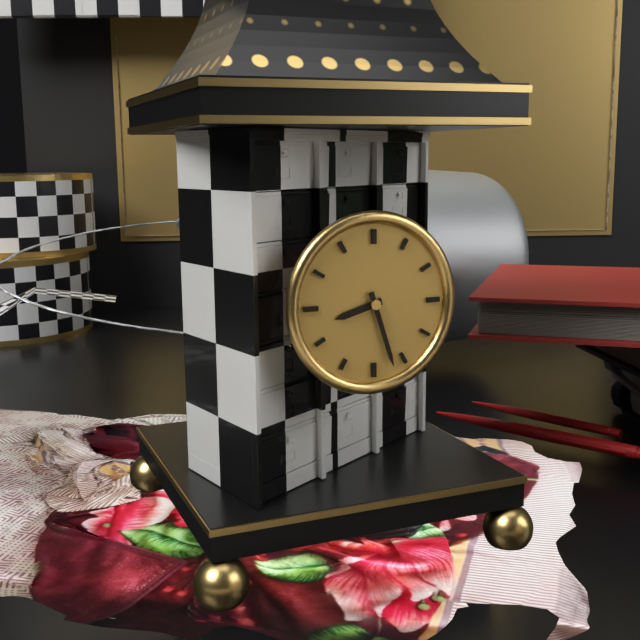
8:27
